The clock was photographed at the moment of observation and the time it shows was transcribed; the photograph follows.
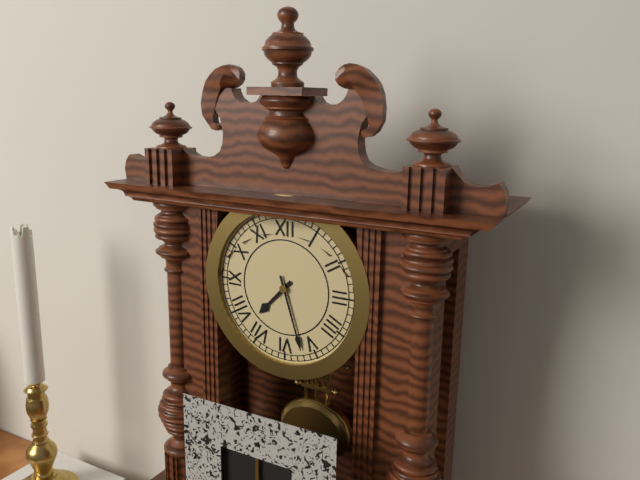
7:27
